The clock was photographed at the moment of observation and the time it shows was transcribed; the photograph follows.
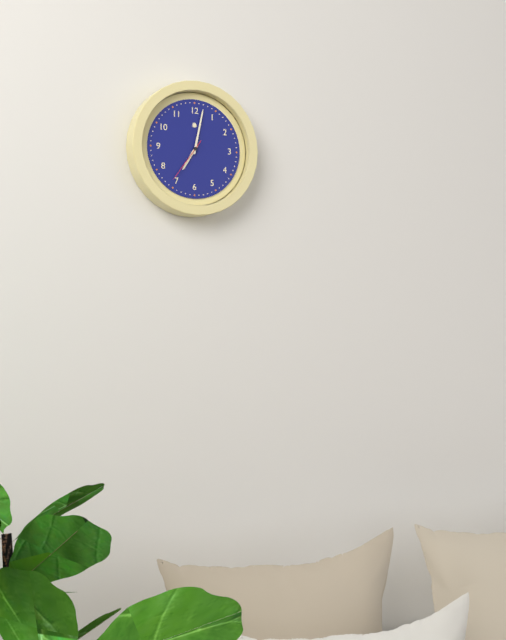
7:02
